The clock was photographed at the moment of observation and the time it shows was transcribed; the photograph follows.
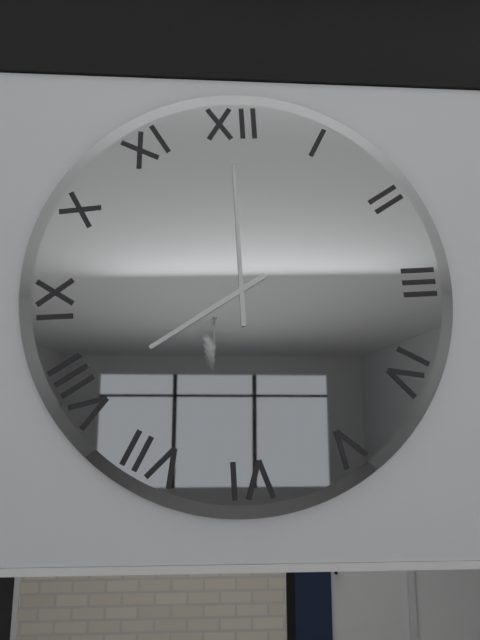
8:00
